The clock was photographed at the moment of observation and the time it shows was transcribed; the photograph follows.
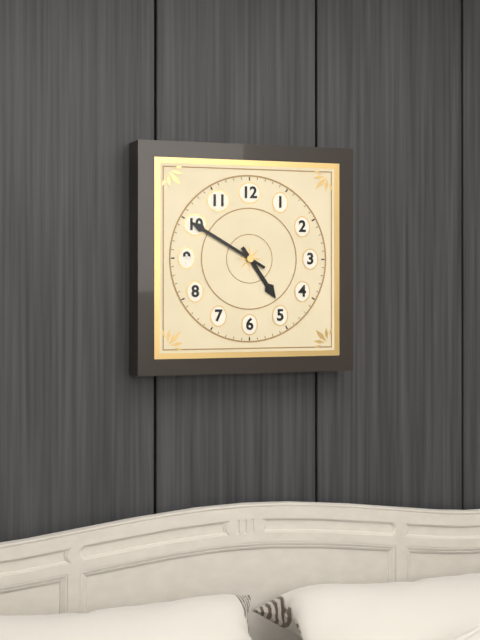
4:50
